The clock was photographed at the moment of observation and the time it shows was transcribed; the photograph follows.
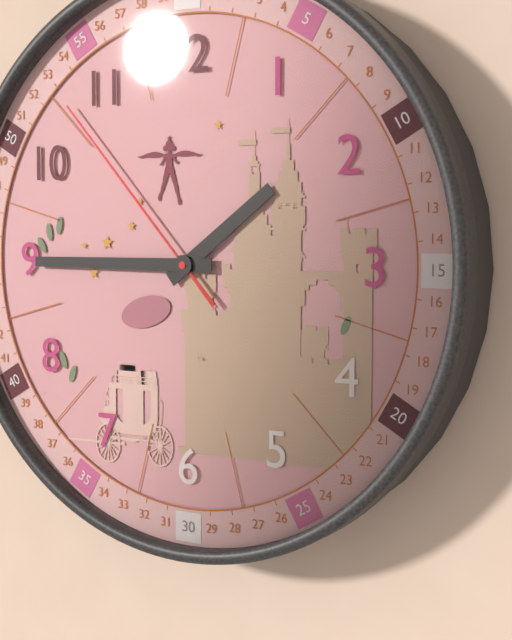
1:45:53
